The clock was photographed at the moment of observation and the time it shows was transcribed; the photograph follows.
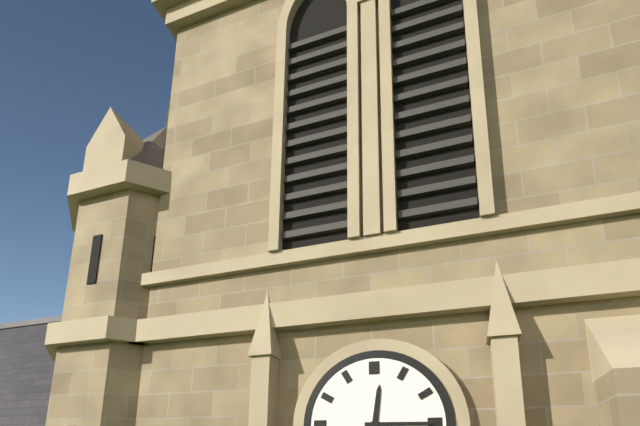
12:15
